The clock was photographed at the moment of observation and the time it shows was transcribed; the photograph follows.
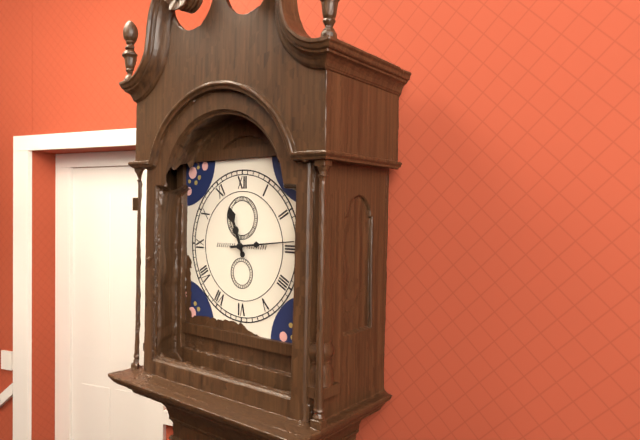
11:14
